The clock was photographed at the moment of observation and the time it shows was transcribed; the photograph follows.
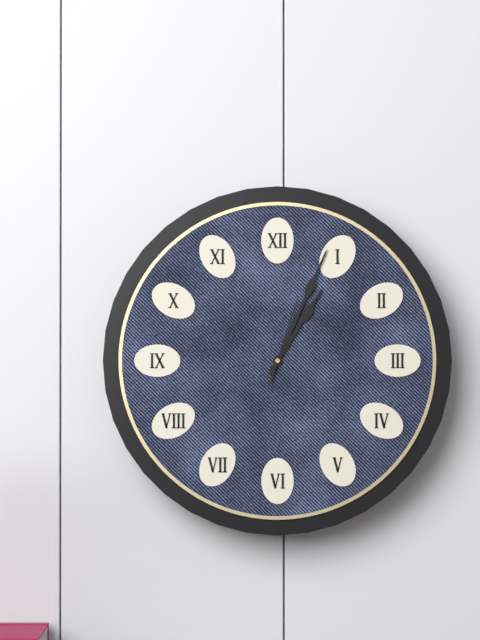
1:04:03
